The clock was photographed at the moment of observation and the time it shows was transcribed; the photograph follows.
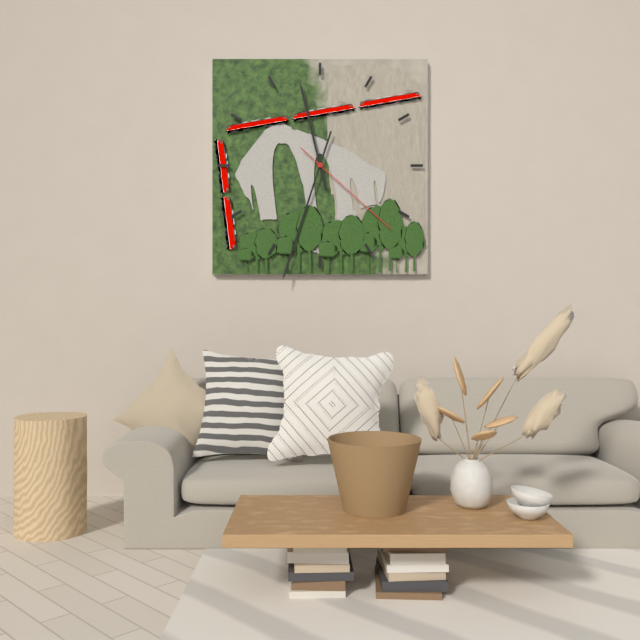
11:33:22
